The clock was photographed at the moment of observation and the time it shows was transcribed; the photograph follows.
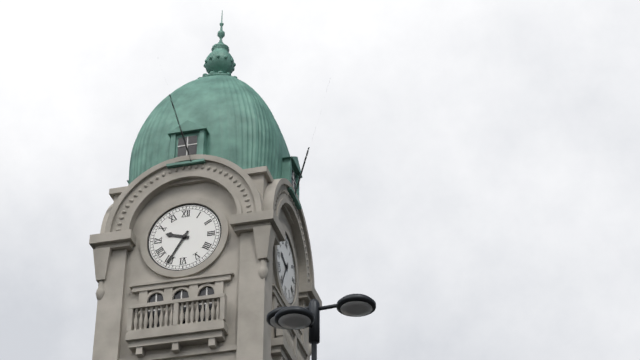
9:35
